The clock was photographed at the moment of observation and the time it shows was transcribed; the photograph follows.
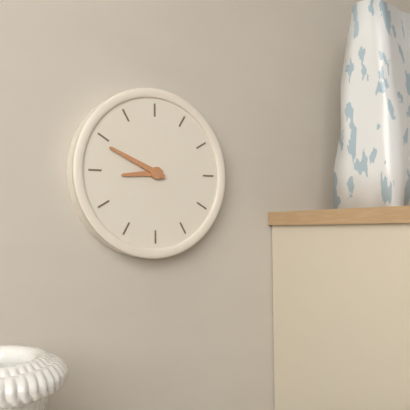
8:49
